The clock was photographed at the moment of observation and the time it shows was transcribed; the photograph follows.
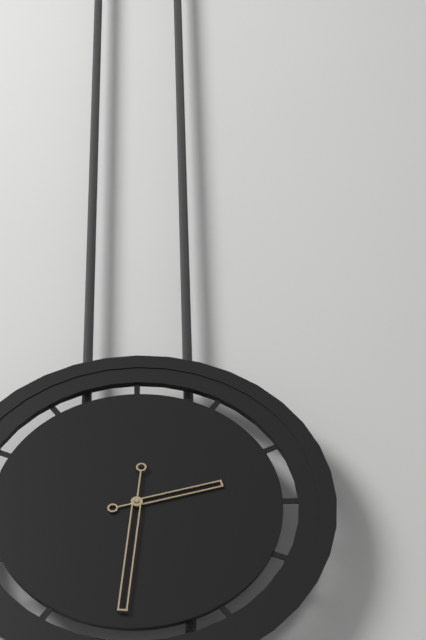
2:31
